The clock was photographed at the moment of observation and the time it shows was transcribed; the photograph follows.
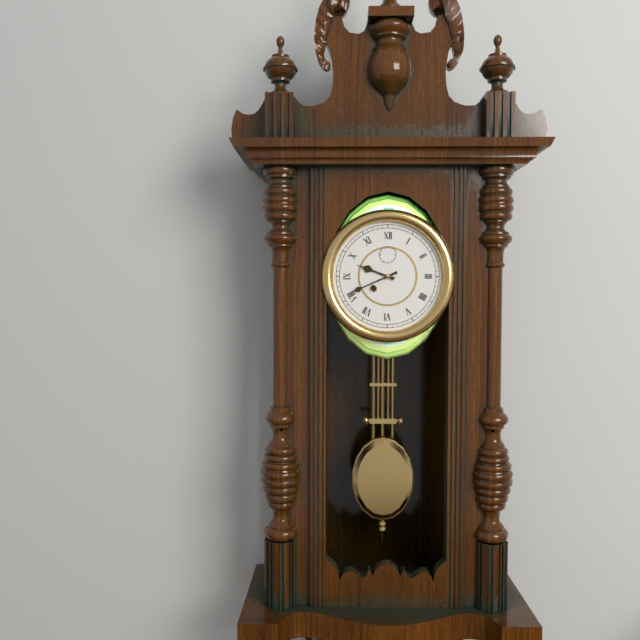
9:41
